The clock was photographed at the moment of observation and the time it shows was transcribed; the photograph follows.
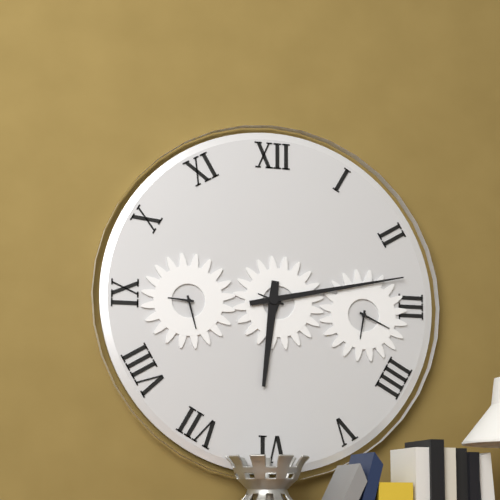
6:13
